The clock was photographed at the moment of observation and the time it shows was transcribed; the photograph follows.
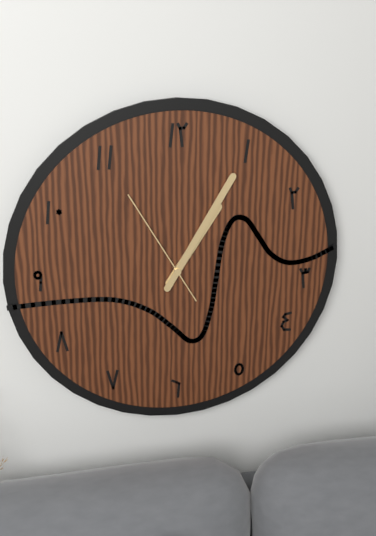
1:05:55
